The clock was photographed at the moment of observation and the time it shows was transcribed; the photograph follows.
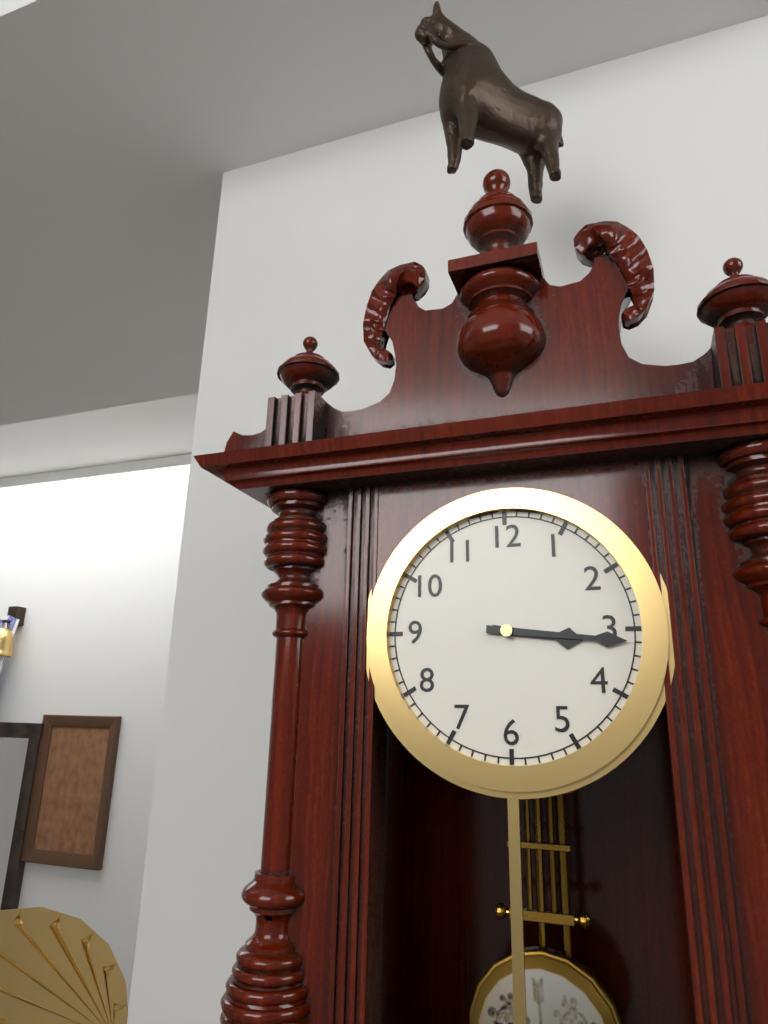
3:16
